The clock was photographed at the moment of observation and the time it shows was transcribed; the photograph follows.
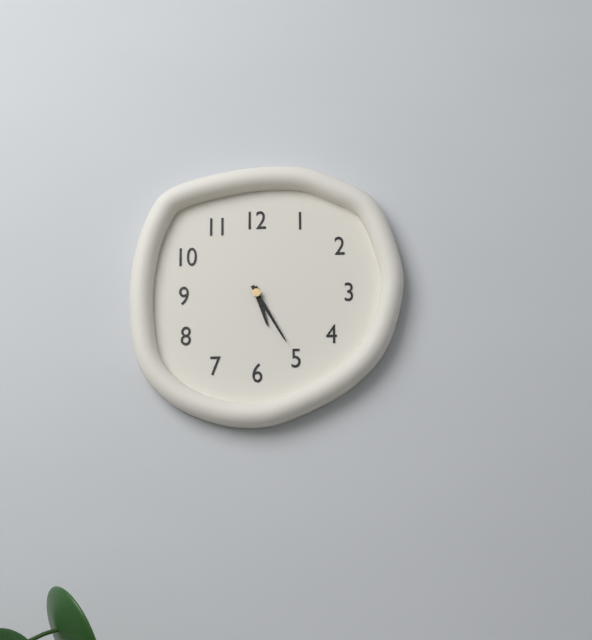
5:25
